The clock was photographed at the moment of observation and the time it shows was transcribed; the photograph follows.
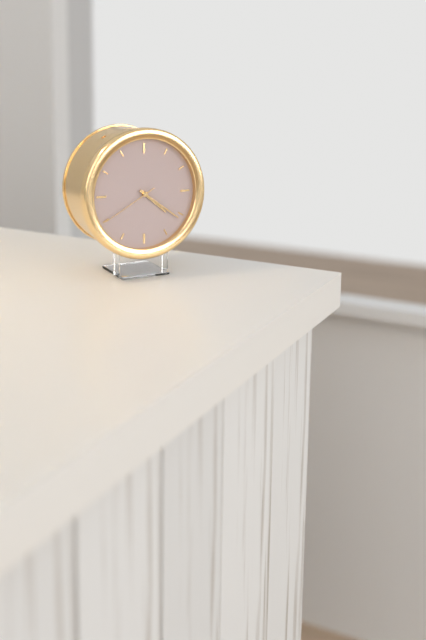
4:21:40
